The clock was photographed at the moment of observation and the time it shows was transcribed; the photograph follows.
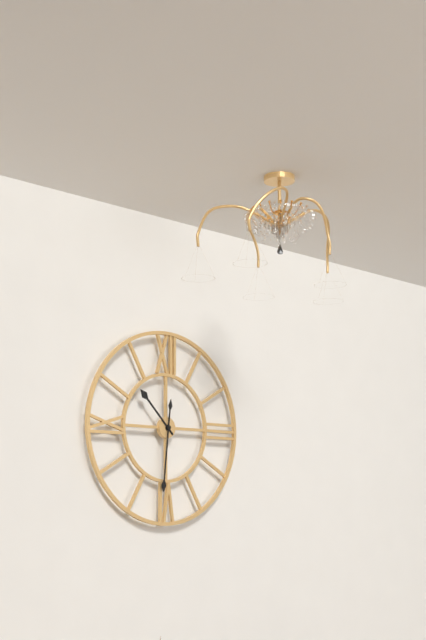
10:31
